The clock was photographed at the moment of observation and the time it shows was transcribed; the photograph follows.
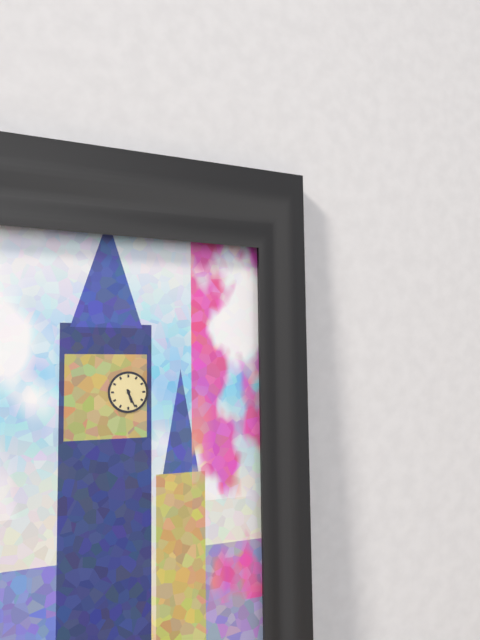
5:26
